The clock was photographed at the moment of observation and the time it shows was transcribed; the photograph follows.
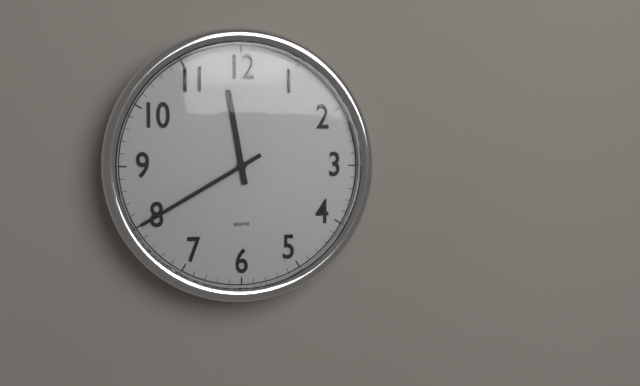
11:40
